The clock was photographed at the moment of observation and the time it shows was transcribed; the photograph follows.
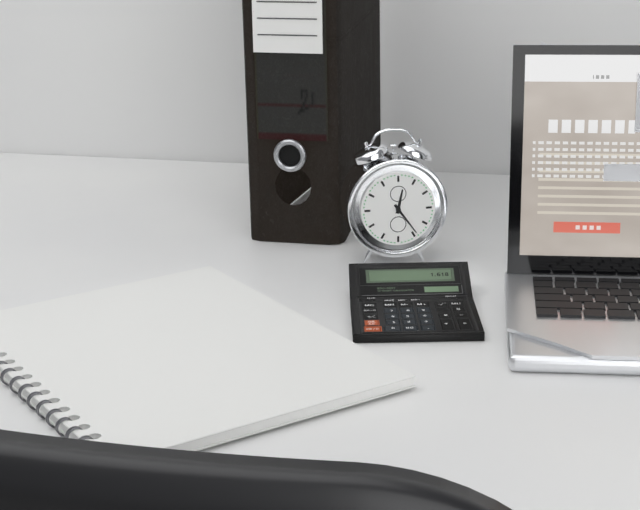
12:24
